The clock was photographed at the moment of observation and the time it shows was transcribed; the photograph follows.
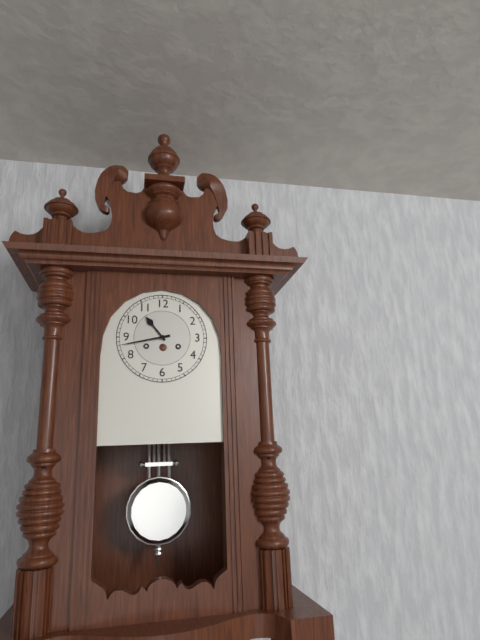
10:43
